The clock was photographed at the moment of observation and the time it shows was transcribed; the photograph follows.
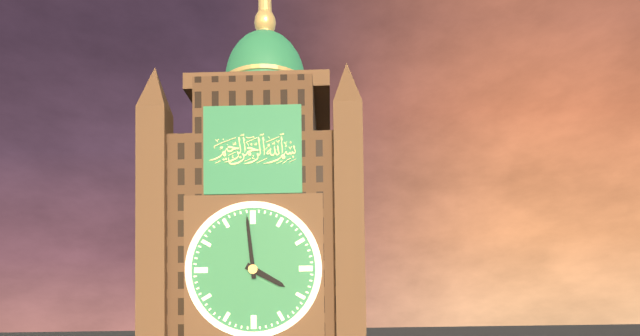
3:59
